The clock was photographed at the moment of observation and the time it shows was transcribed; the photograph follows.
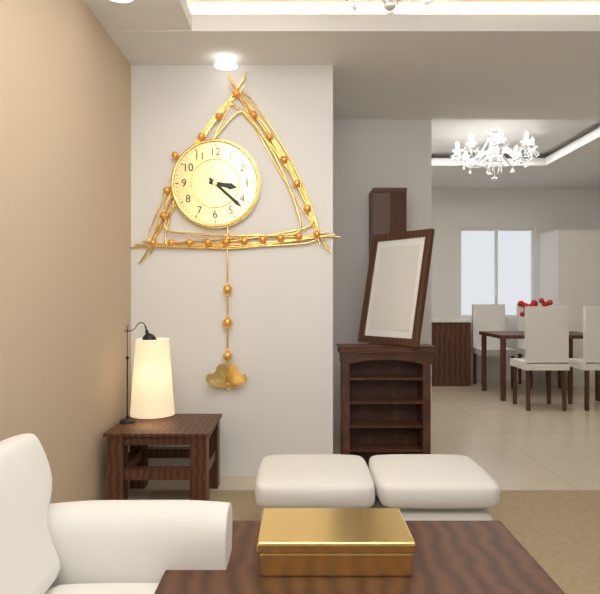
3:22
